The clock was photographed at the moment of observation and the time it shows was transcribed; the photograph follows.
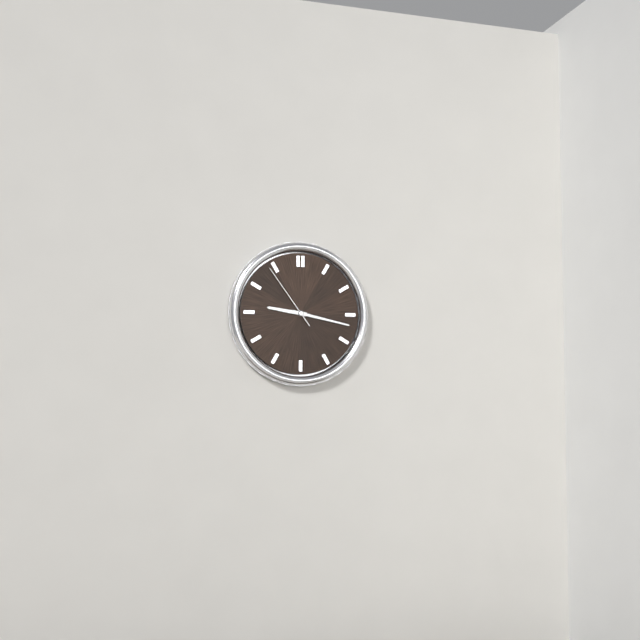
9:17:54
